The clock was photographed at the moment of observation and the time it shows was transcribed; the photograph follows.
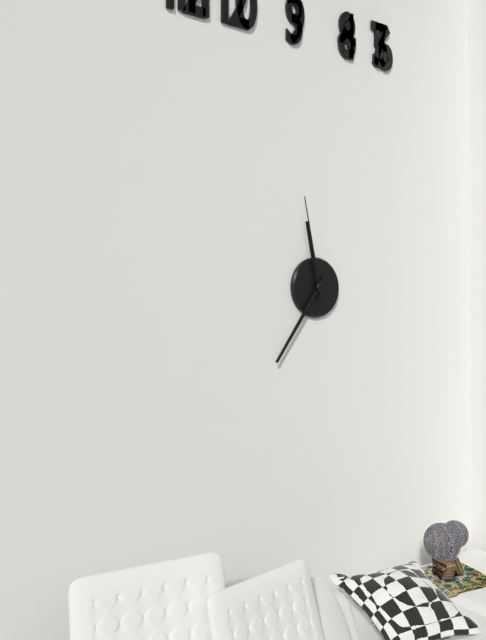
11:36:58
